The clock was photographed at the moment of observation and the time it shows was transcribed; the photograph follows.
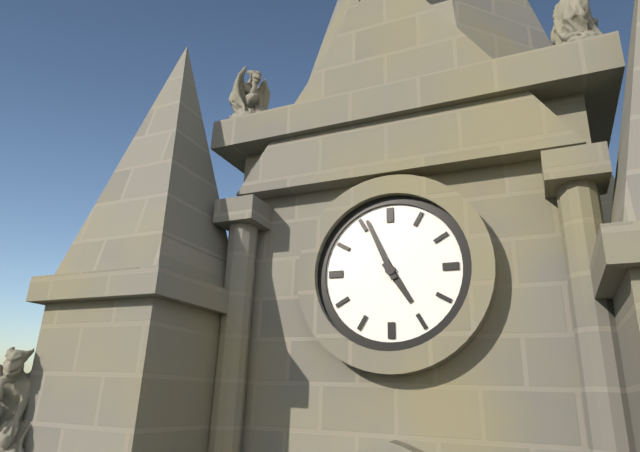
4:56
